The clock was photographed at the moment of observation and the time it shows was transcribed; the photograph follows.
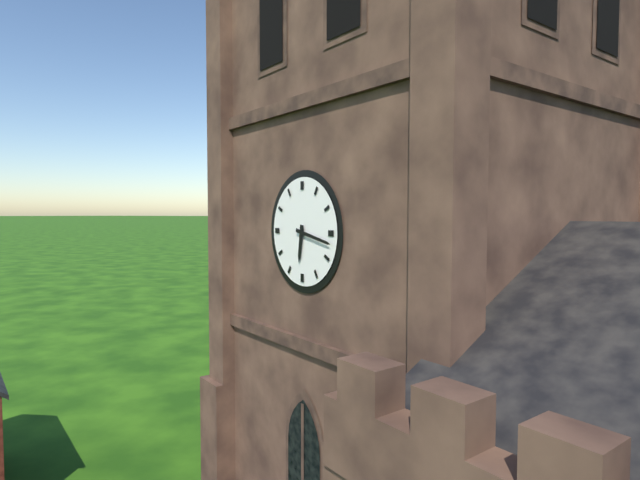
6:17
